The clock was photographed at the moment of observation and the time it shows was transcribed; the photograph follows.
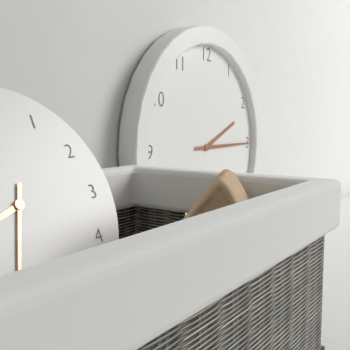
2:15
